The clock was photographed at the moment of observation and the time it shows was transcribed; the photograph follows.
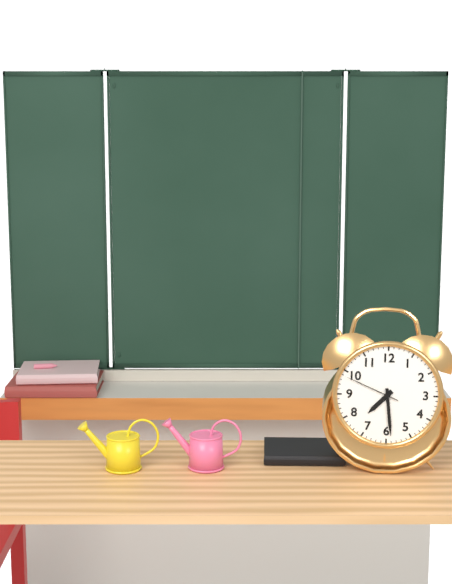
7:29:49
